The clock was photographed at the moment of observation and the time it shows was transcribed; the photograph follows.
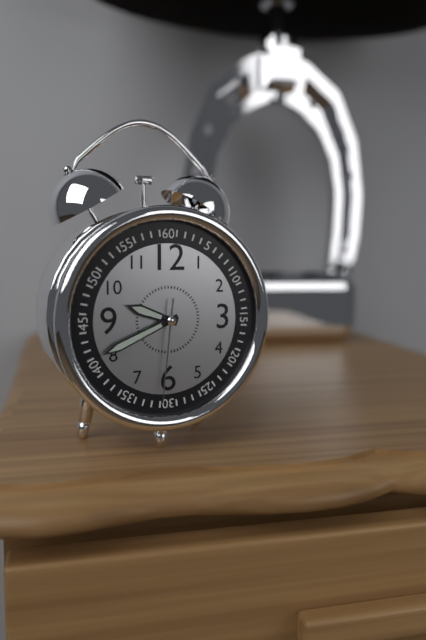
9:41:31
